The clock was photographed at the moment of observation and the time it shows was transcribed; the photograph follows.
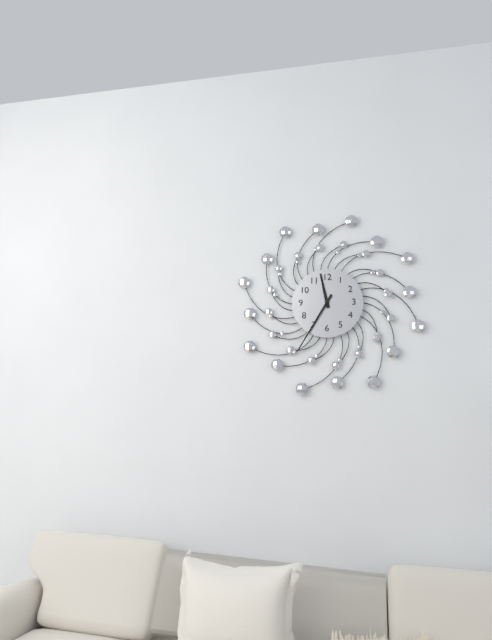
11:35
